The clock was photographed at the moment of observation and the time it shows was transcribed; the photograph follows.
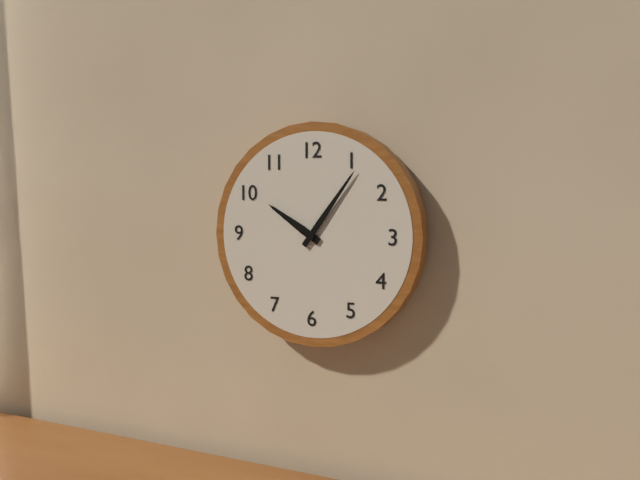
10:06
